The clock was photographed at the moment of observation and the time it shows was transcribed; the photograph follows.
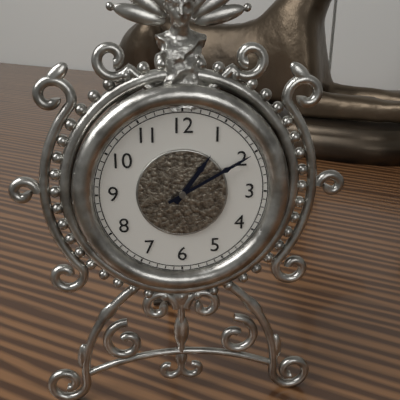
1:10
